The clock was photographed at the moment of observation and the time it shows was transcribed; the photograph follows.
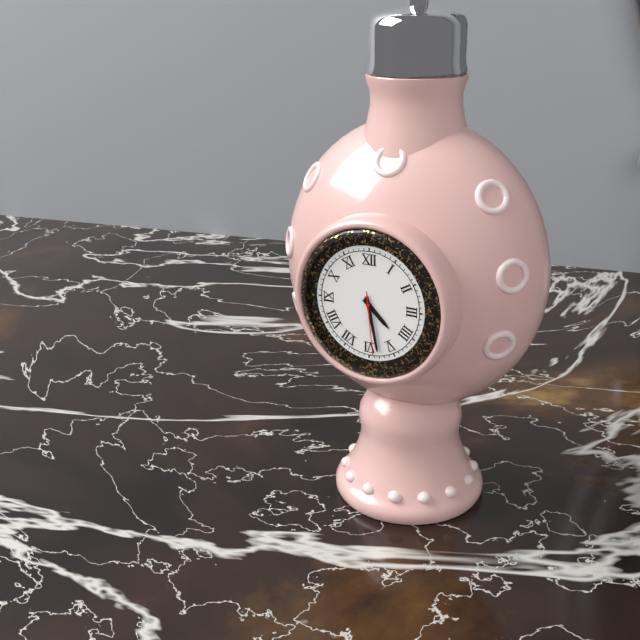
4:28:29
